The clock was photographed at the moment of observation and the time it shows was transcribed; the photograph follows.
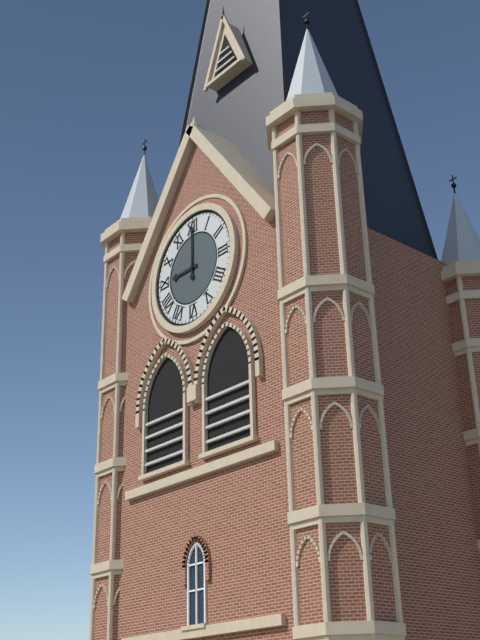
9:00
